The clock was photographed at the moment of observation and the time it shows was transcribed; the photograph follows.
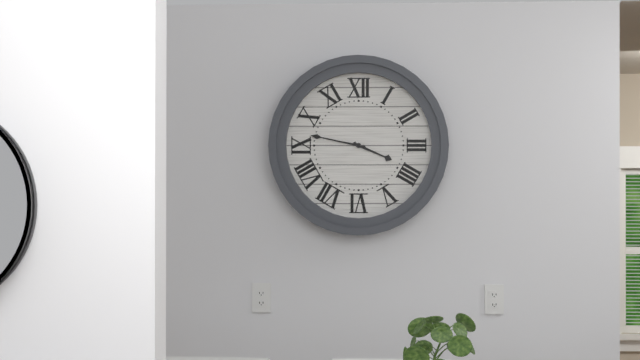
3:47
